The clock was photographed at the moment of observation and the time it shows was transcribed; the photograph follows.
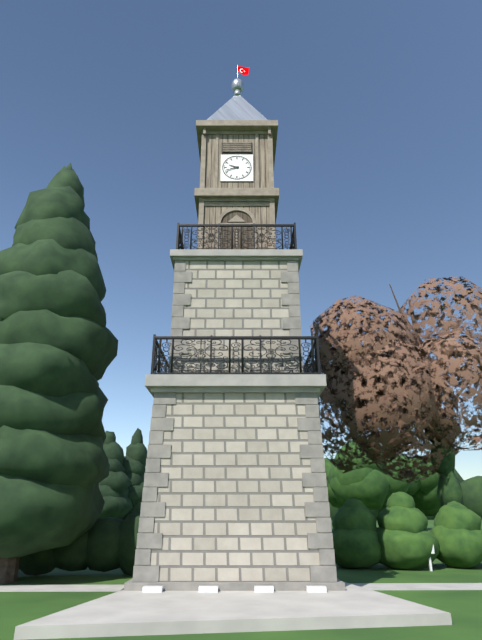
9:42
